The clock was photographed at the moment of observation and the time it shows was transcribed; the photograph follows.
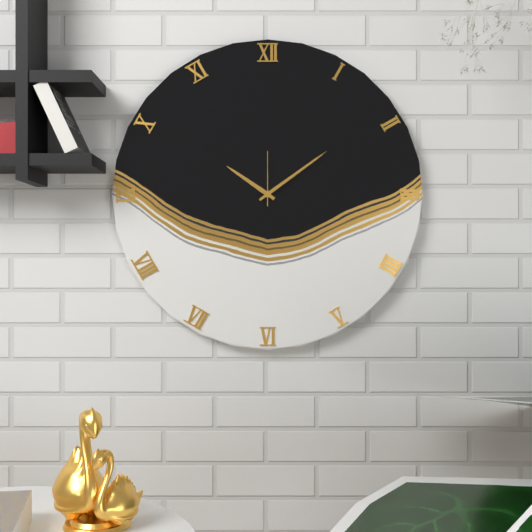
10:09:00
